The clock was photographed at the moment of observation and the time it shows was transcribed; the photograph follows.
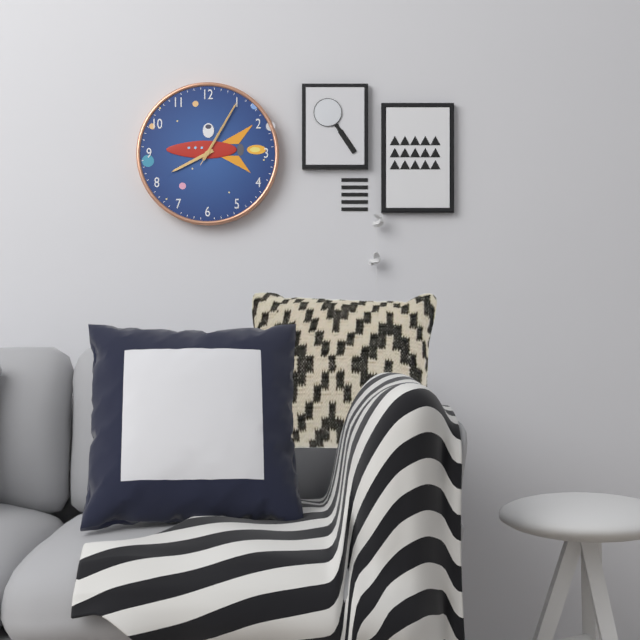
8:05:05
